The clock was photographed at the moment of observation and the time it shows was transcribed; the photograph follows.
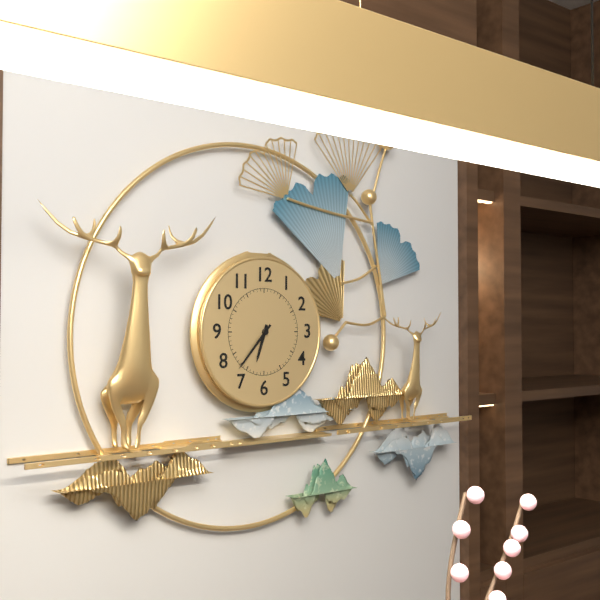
6:37
